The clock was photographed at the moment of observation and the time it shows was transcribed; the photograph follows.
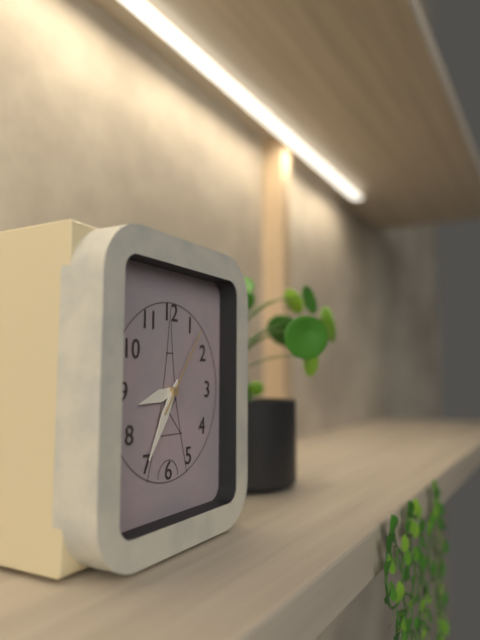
8:35:06
